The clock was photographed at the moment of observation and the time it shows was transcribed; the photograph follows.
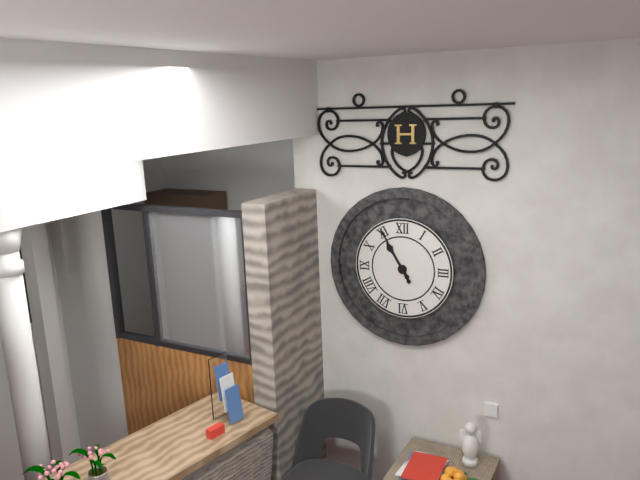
10:55
